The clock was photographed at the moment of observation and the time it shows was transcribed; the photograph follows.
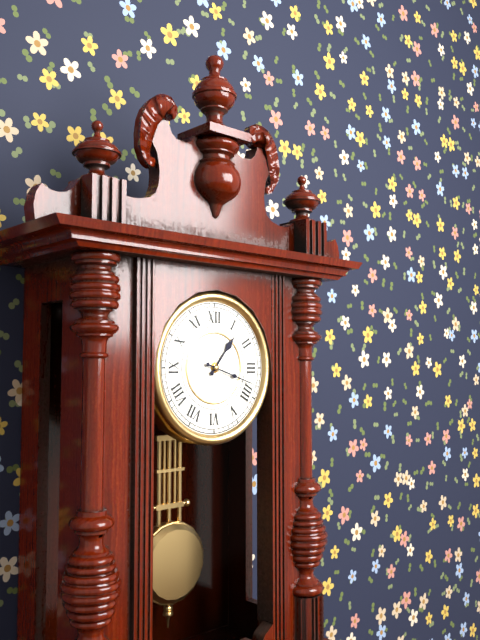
1:18
